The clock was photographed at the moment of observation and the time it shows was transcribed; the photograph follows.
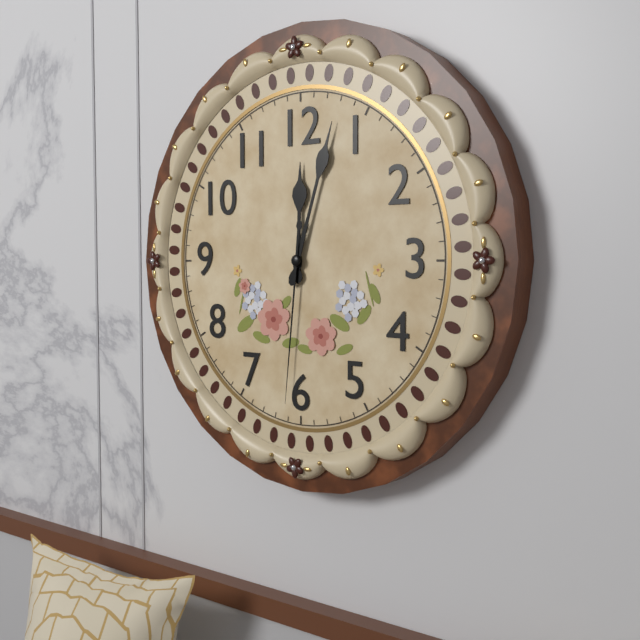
12:03:31
